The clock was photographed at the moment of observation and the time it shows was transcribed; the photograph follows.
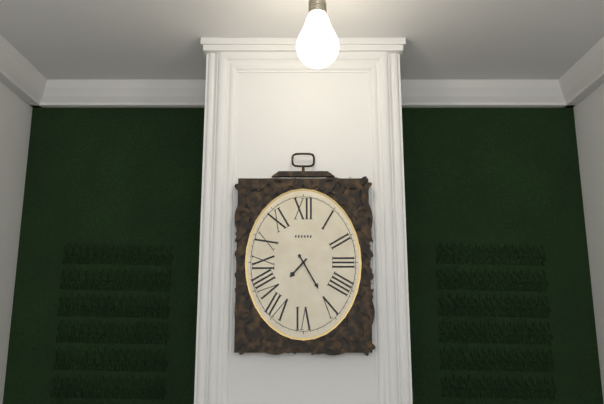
7:25
